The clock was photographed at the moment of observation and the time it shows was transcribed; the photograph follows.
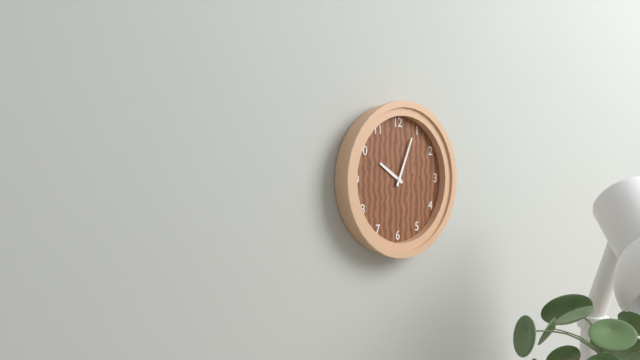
10:04
